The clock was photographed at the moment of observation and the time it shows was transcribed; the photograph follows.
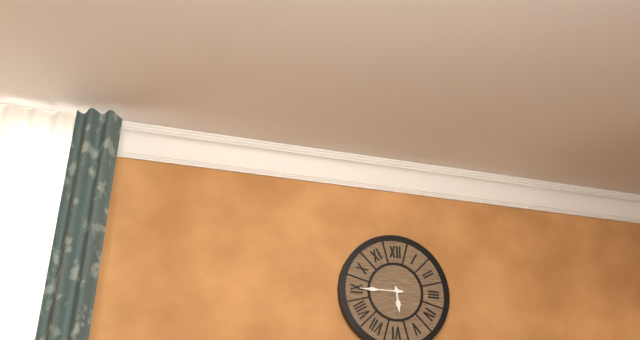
5:45
